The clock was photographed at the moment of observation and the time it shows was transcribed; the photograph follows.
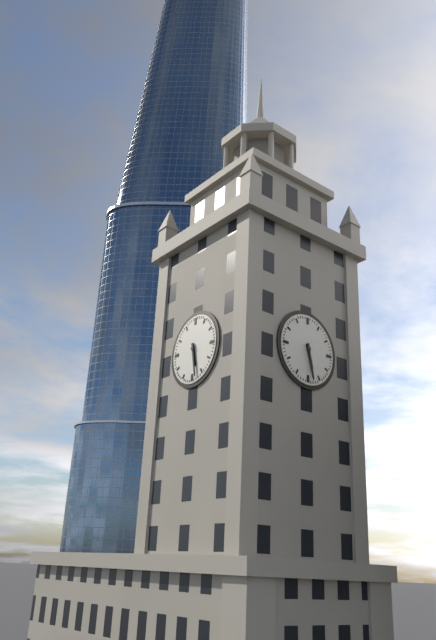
5:28
